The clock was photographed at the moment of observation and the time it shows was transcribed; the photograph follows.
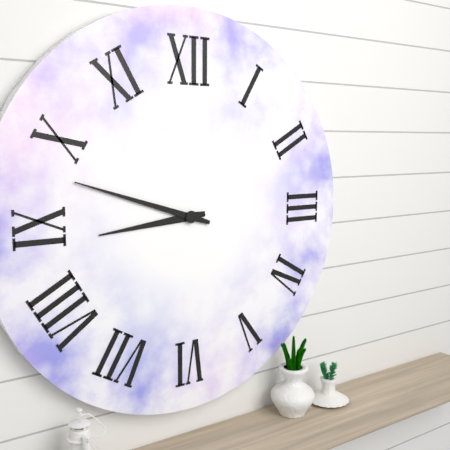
8:48
